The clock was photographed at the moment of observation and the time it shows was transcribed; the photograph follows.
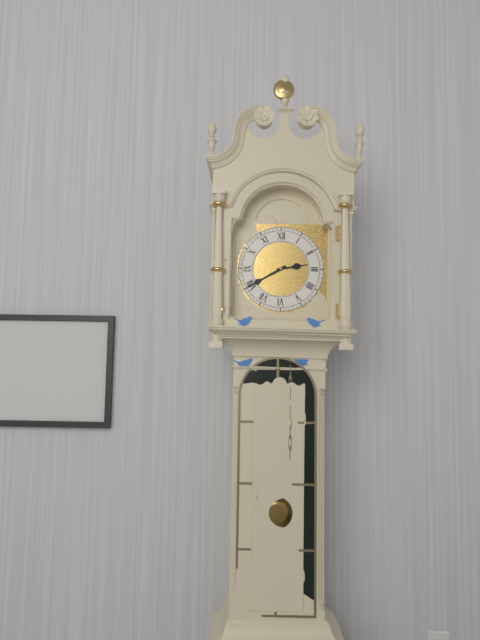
2:40
